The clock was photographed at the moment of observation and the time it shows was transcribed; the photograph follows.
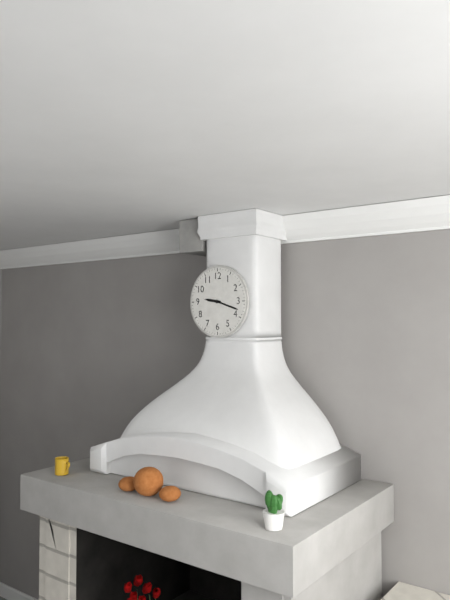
9:18
